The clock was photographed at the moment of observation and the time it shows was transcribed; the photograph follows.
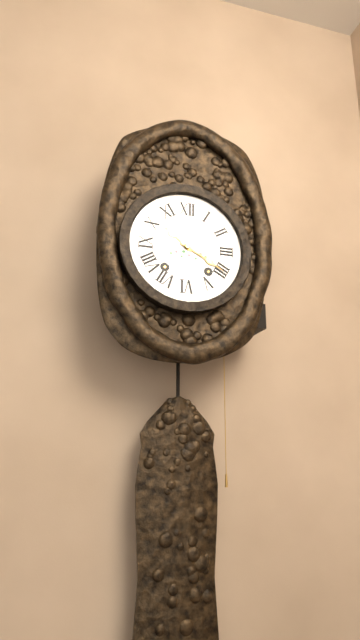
10:20
